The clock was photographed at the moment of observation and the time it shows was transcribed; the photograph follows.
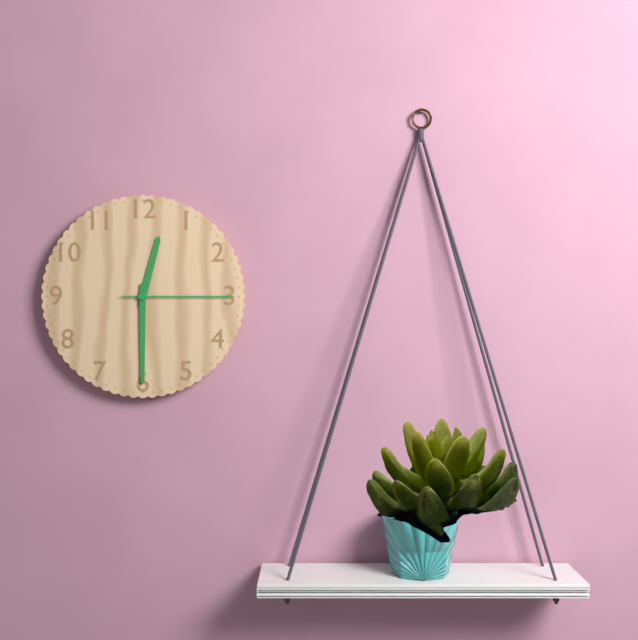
12:30:15
